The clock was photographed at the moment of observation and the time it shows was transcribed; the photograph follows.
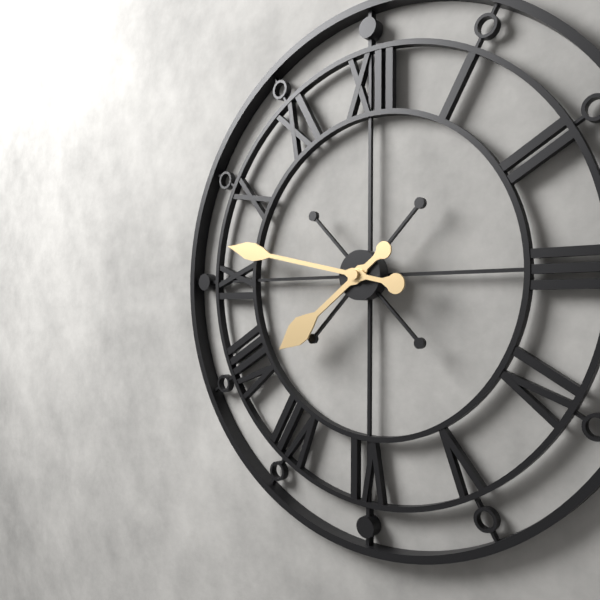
7:47
